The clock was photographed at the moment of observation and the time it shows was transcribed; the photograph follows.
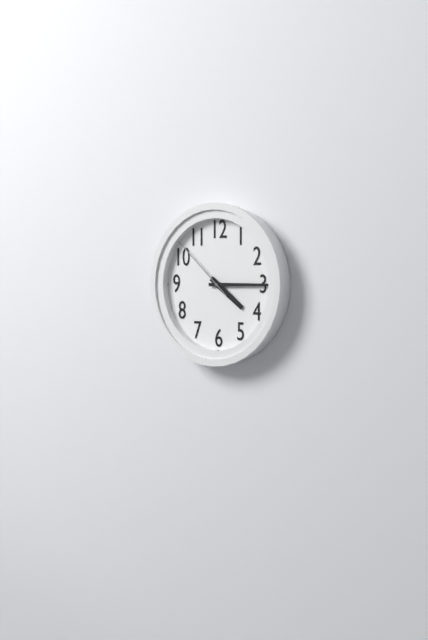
4:15:52
